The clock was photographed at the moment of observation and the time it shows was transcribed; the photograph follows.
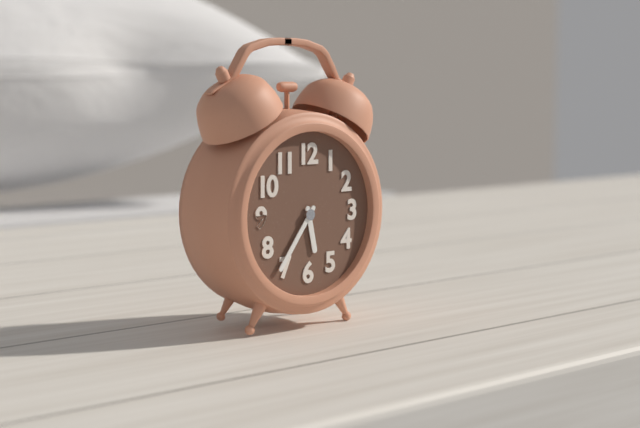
5:36
